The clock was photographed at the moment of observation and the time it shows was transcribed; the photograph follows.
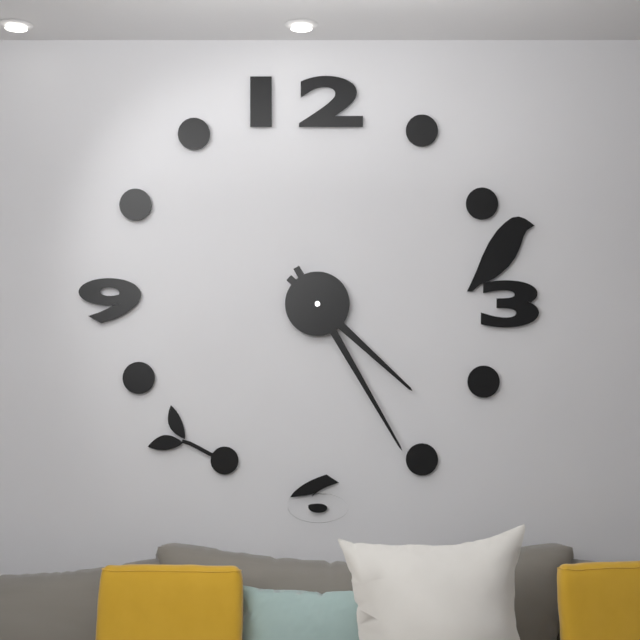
4:25
